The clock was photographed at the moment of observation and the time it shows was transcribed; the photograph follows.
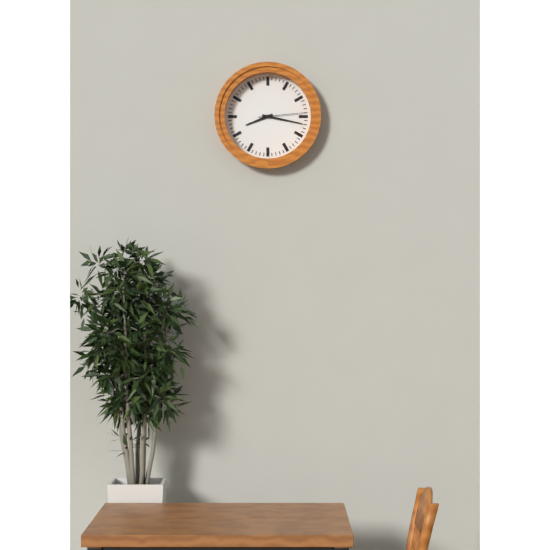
8:17
